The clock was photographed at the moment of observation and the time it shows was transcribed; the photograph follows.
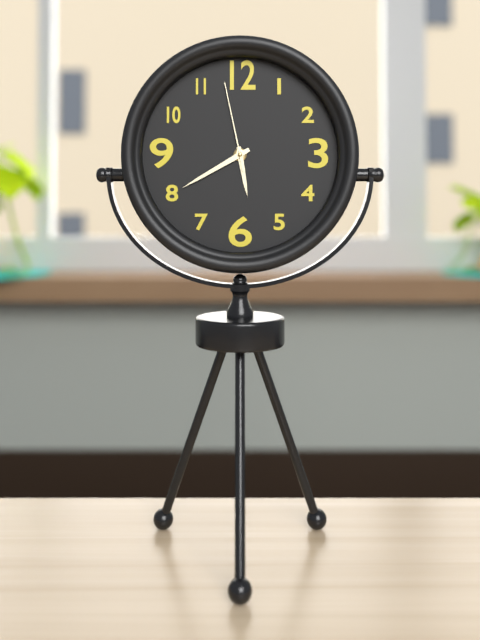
5:40:58
